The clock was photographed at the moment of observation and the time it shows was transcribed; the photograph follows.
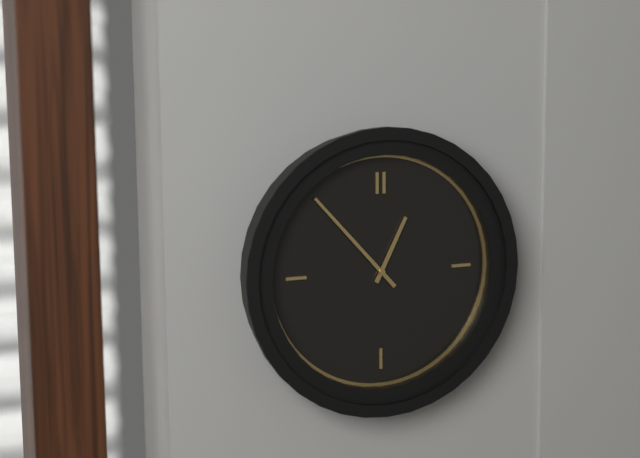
12:53
